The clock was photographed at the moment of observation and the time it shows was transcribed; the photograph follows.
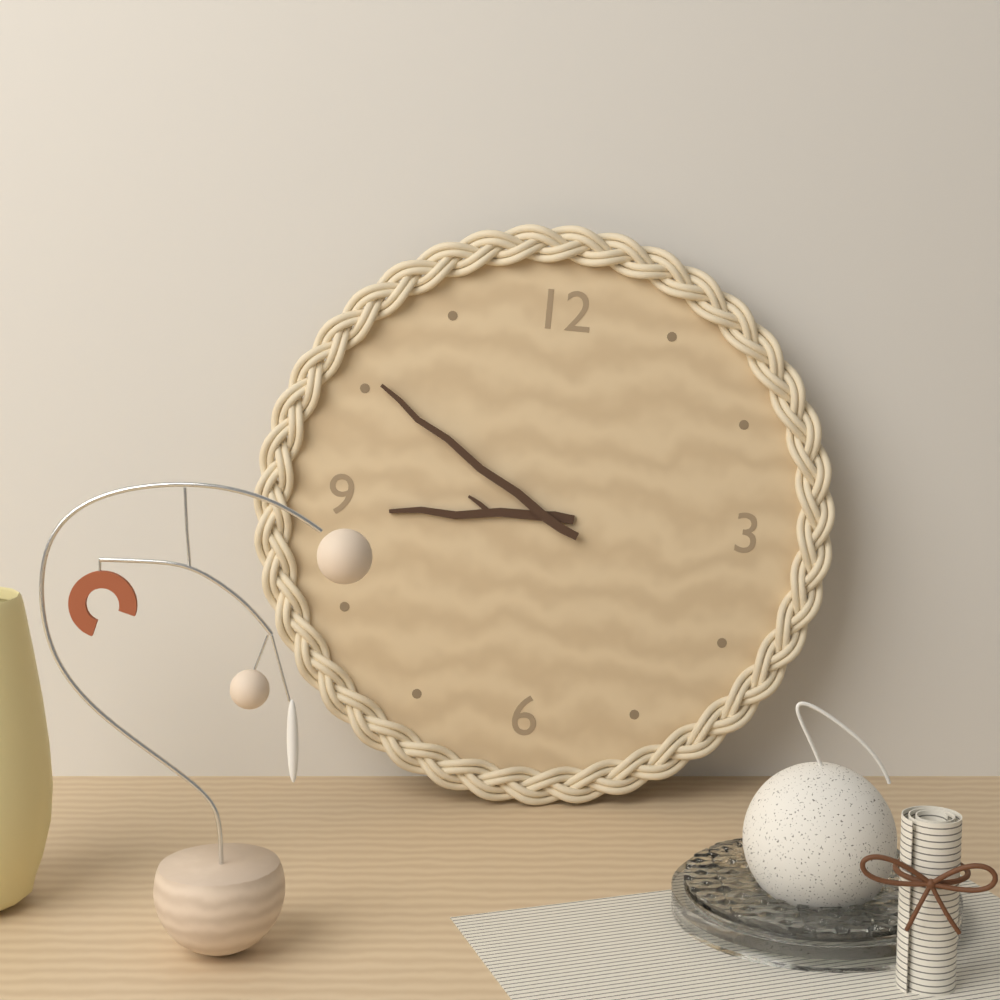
8:50
